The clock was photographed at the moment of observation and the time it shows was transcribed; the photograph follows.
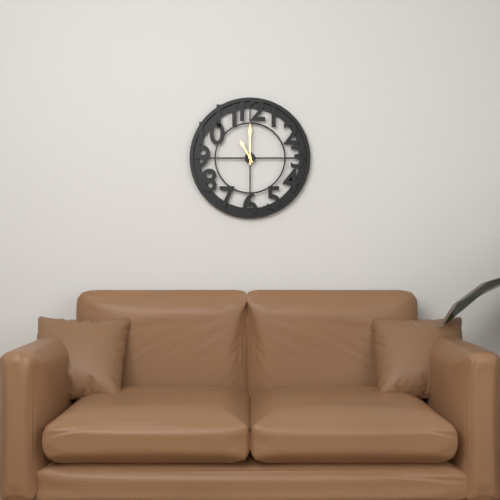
11:00
